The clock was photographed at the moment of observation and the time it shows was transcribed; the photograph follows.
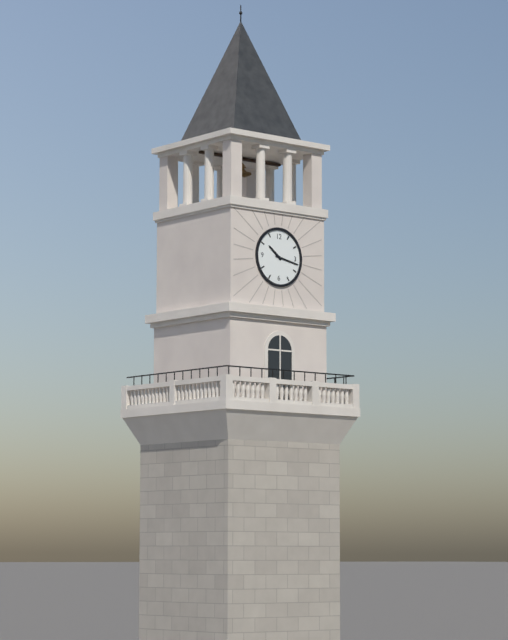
10:17
